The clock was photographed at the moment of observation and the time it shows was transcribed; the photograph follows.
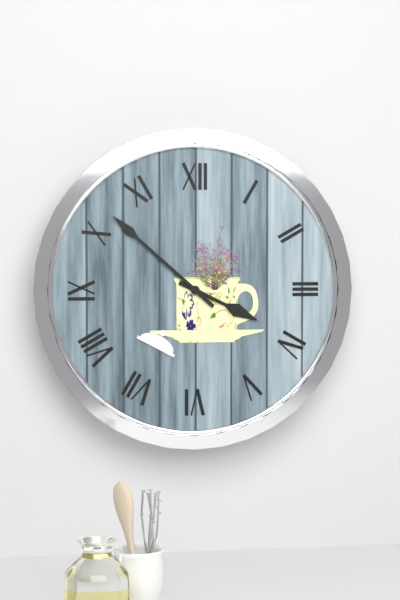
3:52
